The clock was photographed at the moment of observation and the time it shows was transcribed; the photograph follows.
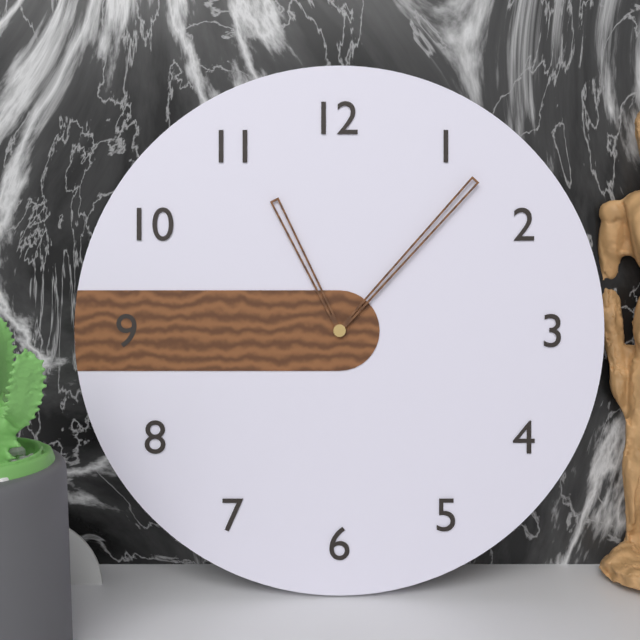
11:07
